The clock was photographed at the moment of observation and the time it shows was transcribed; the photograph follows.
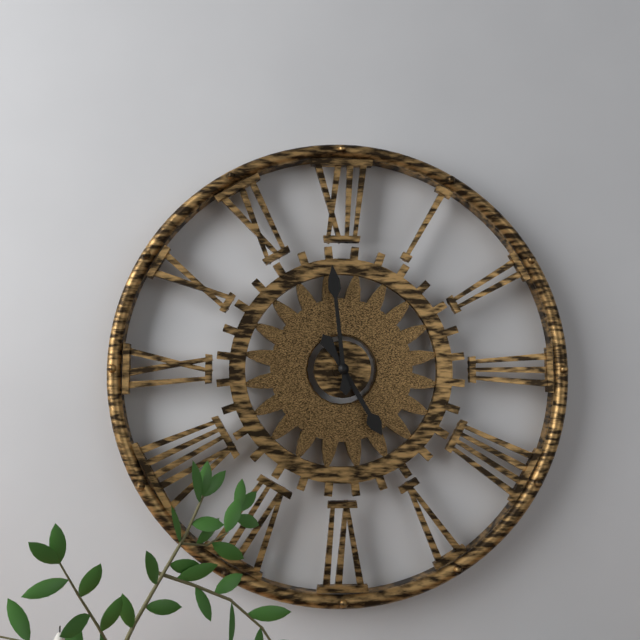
4:59
